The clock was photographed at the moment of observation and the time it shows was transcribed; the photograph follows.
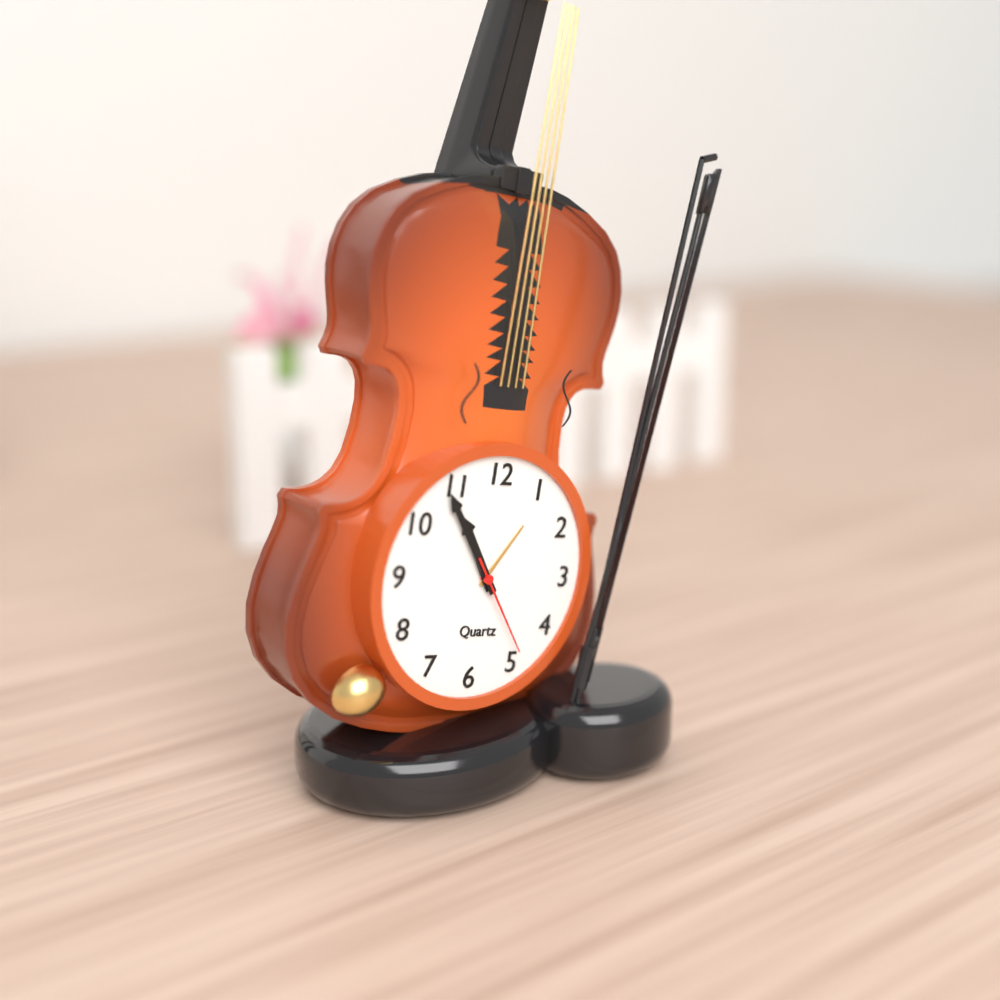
10:54:24
